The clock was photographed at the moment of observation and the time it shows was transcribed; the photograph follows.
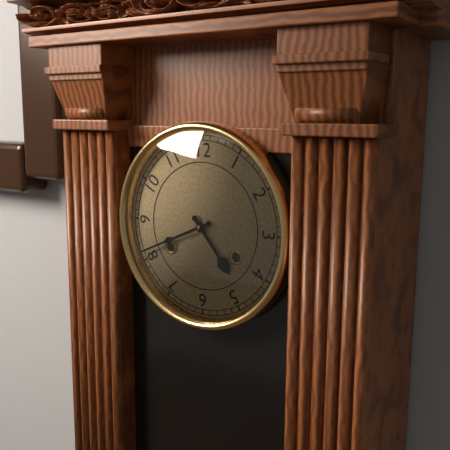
4:41
